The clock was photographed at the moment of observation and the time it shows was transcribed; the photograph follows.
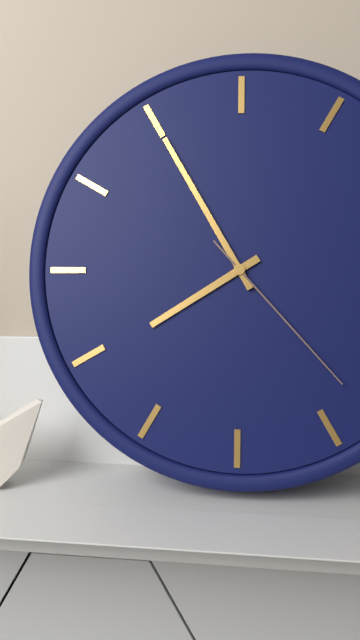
7:55:23
